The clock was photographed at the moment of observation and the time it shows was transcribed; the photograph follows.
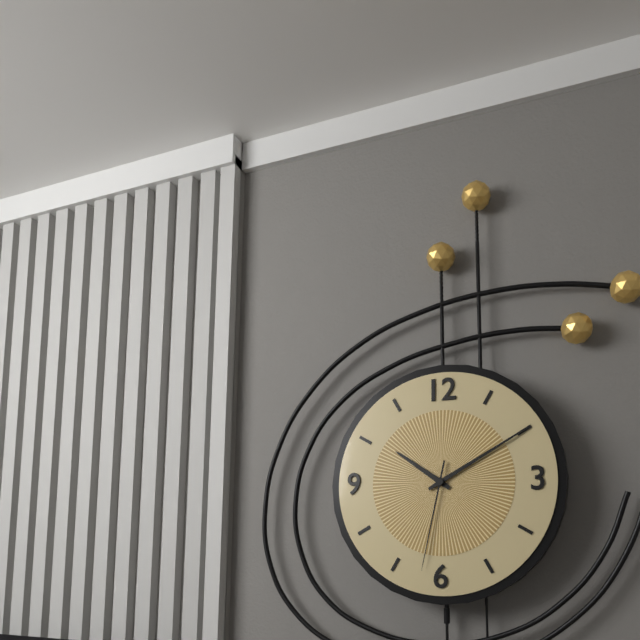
10:10:32
